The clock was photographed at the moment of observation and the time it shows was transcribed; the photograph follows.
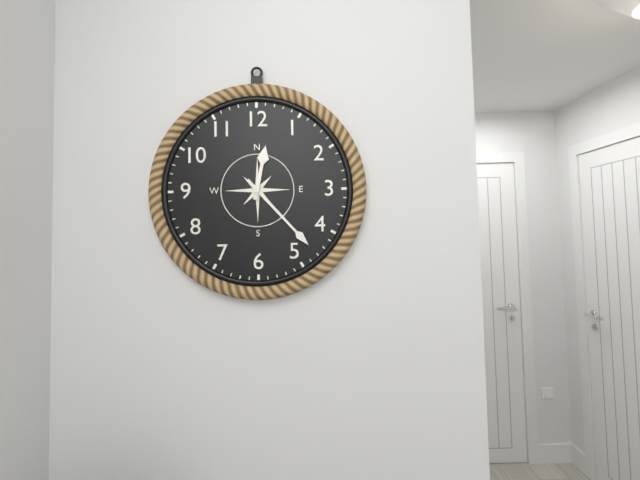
12:23
